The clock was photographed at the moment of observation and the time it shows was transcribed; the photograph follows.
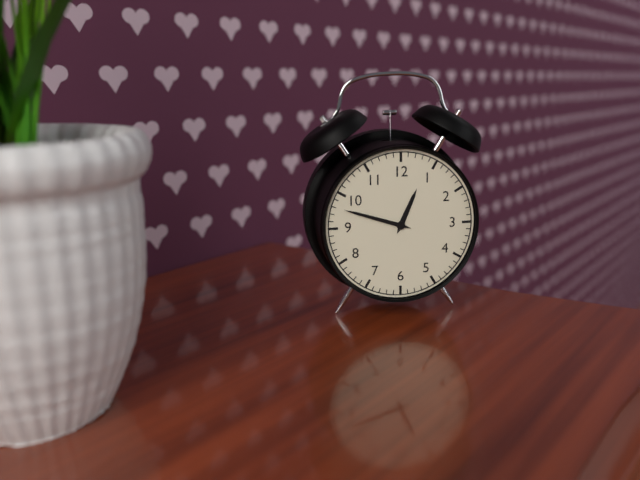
12:48
